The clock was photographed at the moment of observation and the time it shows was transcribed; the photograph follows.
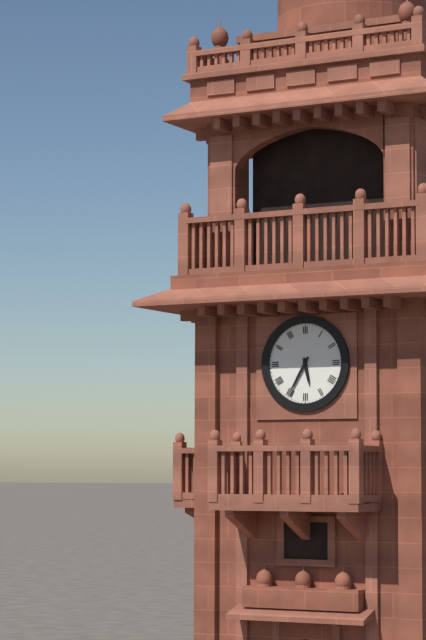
5:35
